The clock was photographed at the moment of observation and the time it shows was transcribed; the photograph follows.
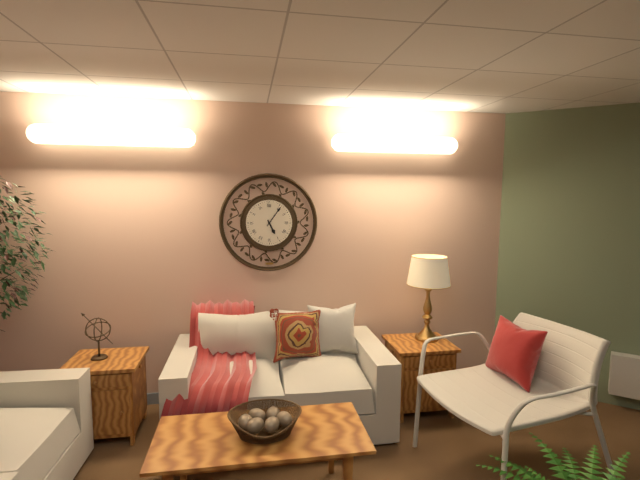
5:06
